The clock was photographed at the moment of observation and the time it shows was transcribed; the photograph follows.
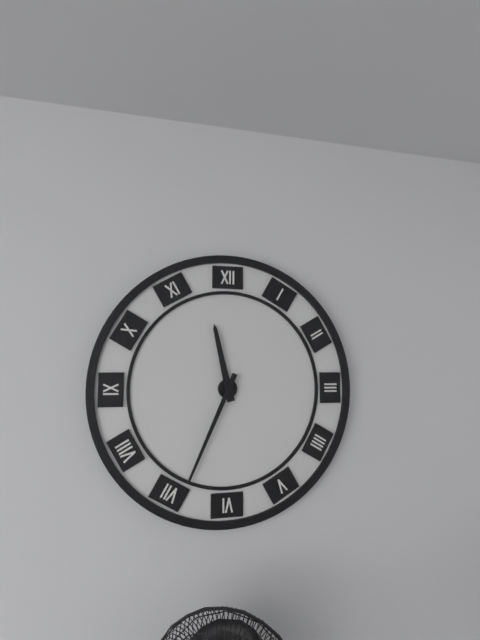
11:34
